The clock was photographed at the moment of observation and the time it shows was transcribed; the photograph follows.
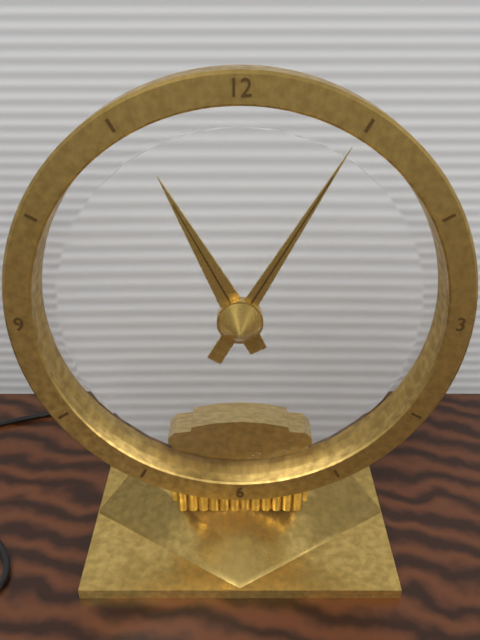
11:05
